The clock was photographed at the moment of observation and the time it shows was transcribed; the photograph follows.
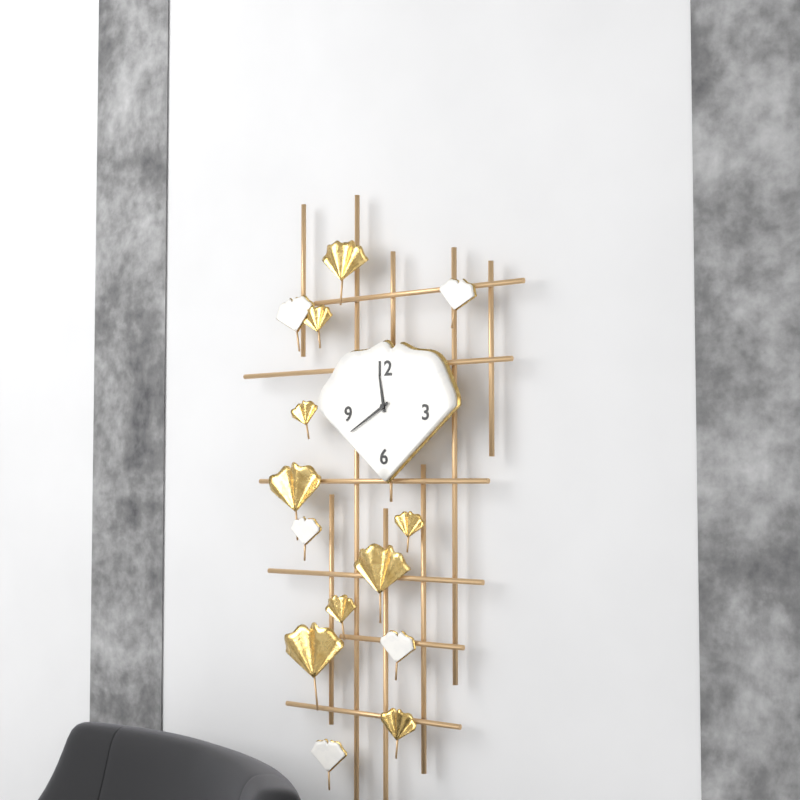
11:40
